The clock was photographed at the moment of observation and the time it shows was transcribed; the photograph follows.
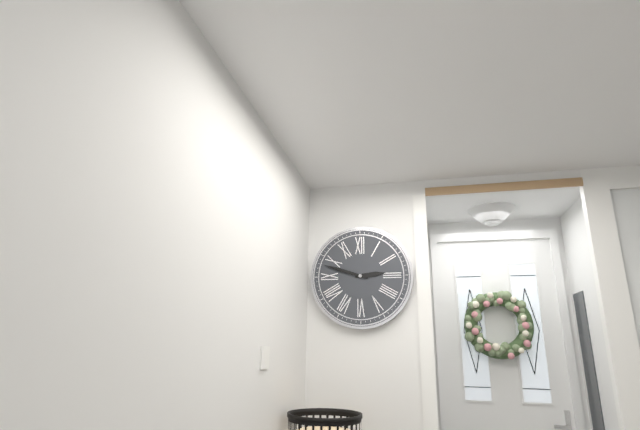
2:48
